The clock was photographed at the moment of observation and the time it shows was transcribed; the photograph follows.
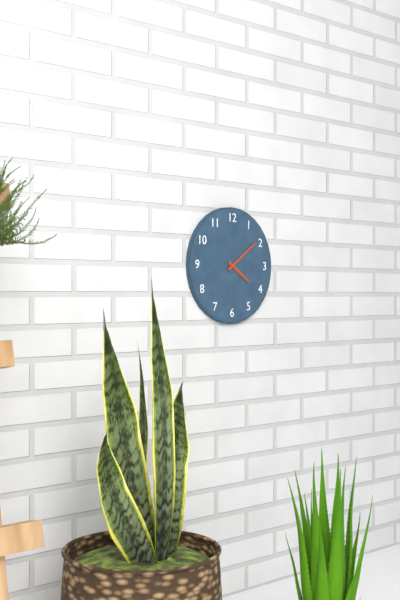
4:09
